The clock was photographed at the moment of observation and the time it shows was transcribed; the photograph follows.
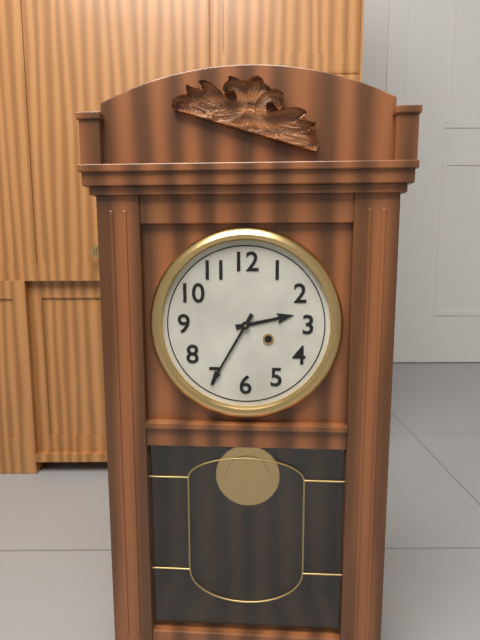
2:35
